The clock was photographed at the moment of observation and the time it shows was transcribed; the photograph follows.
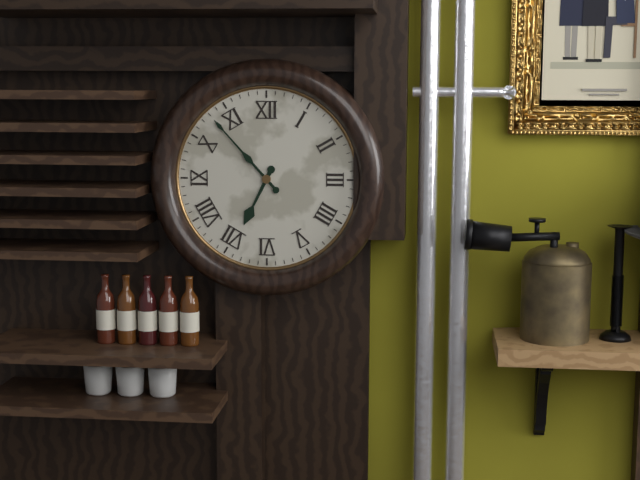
6:53
